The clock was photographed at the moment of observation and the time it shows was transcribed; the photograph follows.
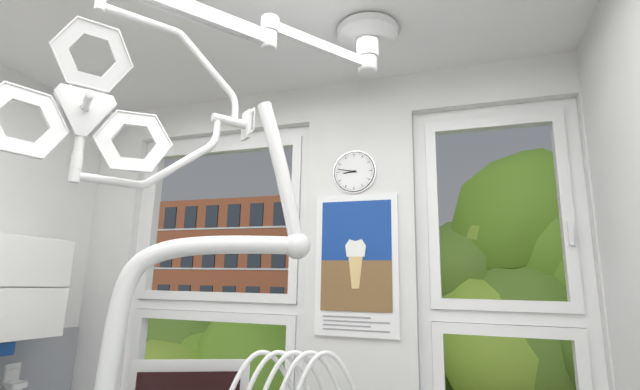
8:47
